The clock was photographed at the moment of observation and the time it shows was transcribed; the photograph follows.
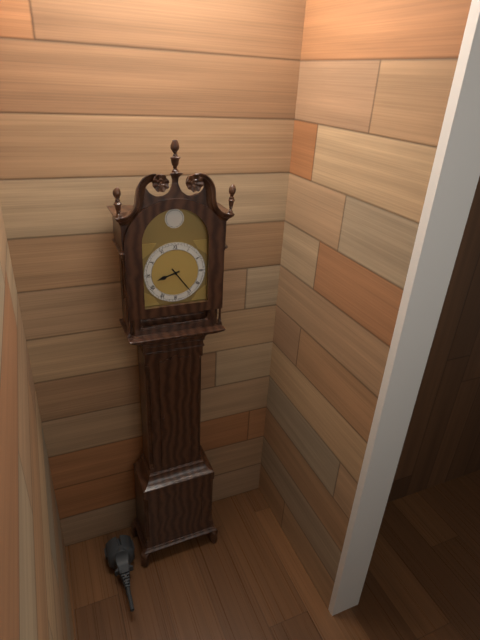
8:24
